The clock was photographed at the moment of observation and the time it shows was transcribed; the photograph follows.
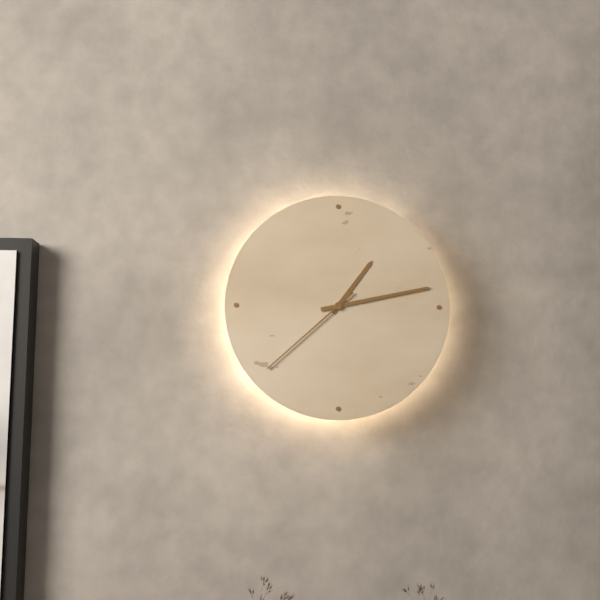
1:13:38
